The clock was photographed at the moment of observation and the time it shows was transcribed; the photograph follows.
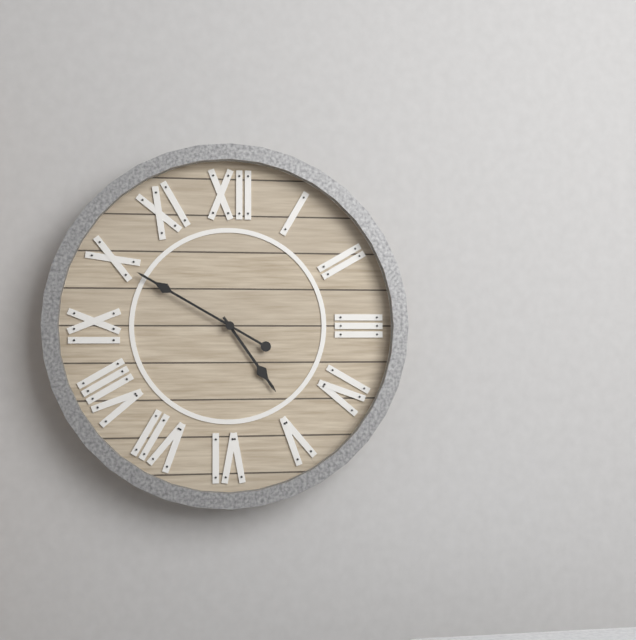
4:50
